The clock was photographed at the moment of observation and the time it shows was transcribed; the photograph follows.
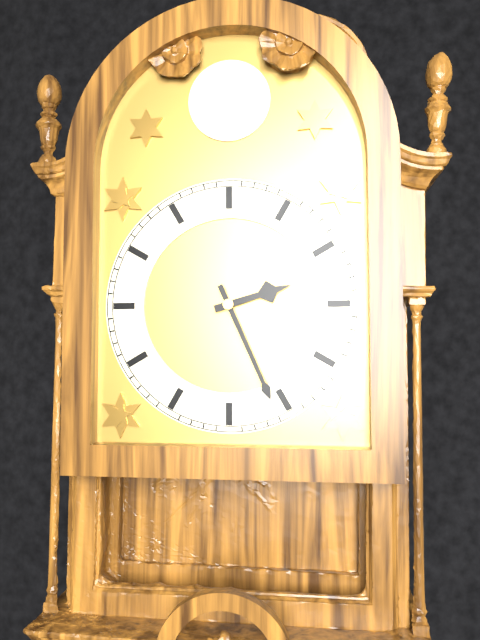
2:26
